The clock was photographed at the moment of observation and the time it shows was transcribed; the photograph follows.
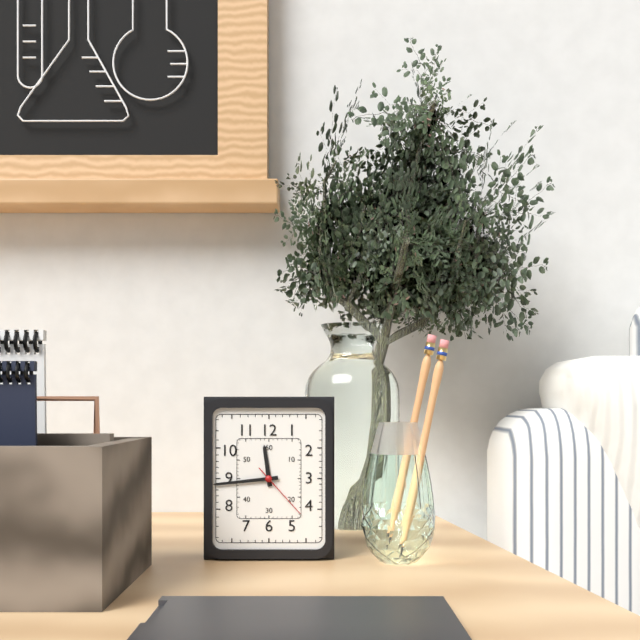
11:44:23
